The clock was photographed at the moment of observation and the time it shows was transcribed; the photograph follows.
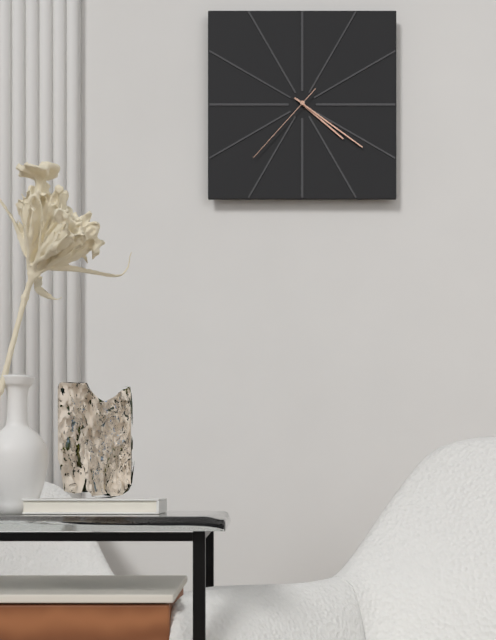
4:21:37
